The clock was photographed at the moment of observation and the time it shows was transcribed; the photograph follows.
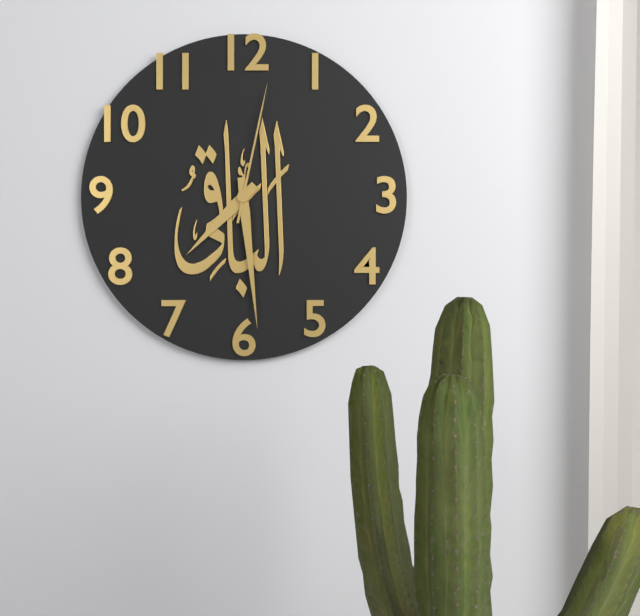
7:29:02
